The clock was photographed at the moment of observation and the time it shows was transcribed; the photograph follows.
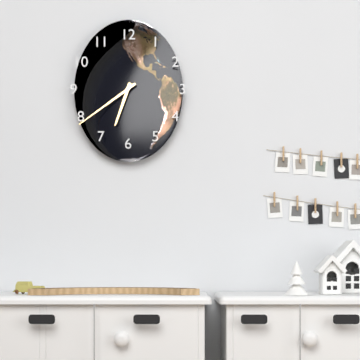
6:39
